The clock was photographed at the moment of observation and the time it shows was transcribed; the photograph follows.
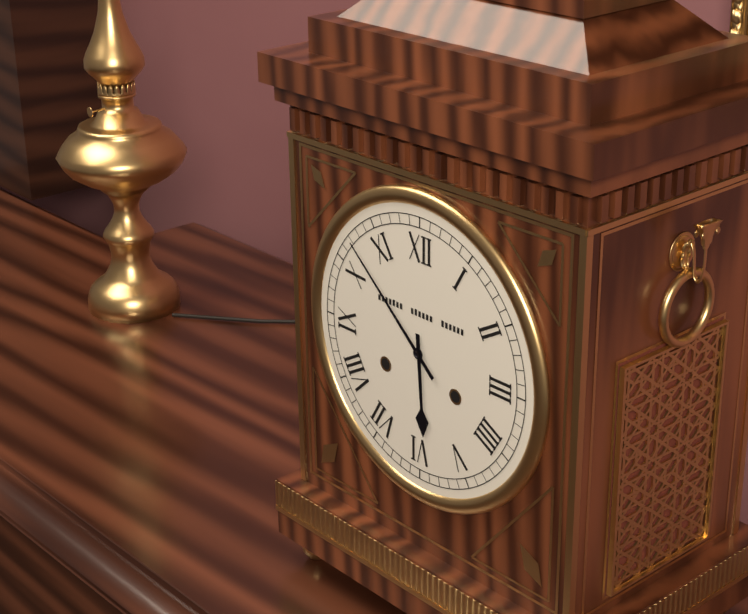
5:52
